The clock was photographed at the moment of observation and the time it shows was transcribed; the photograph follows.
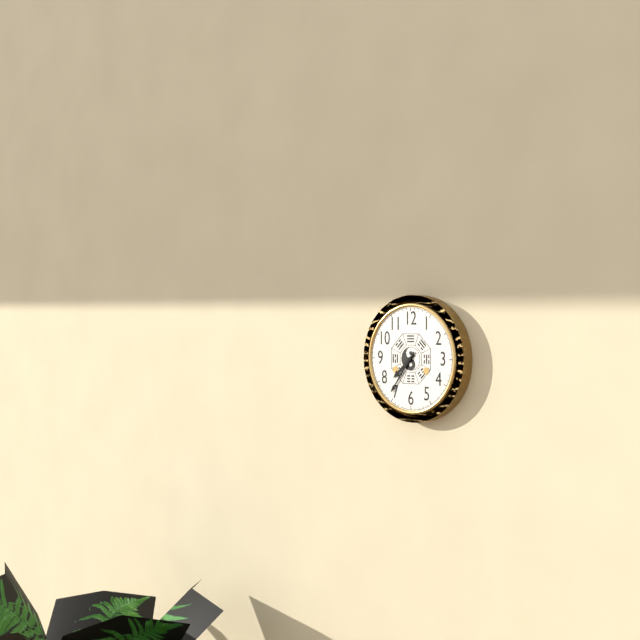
7:36
